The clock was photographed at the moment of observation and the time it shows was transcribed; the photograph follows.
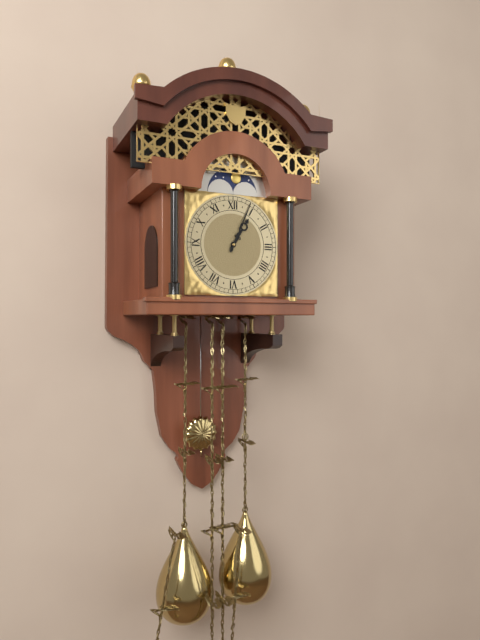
1:04
